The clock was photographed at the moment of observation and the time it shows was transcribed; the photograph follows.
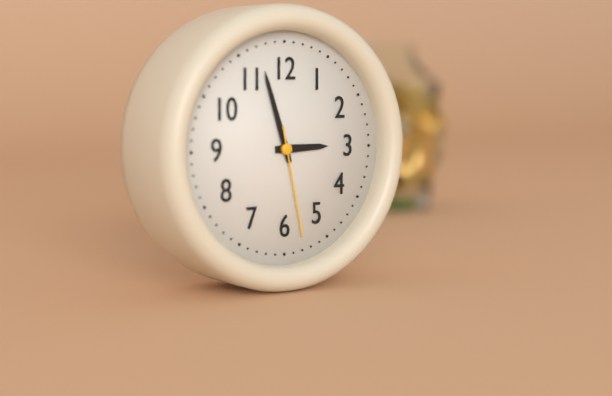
2:57:28
